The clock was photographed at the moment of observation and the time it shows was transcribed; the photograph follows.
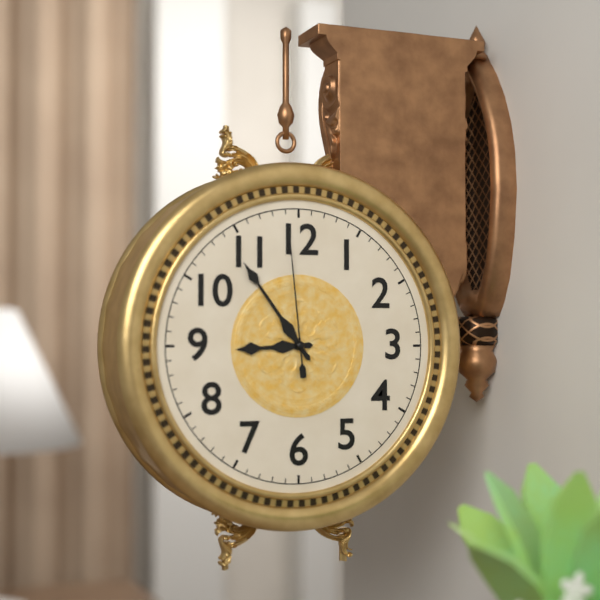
8:54:59
